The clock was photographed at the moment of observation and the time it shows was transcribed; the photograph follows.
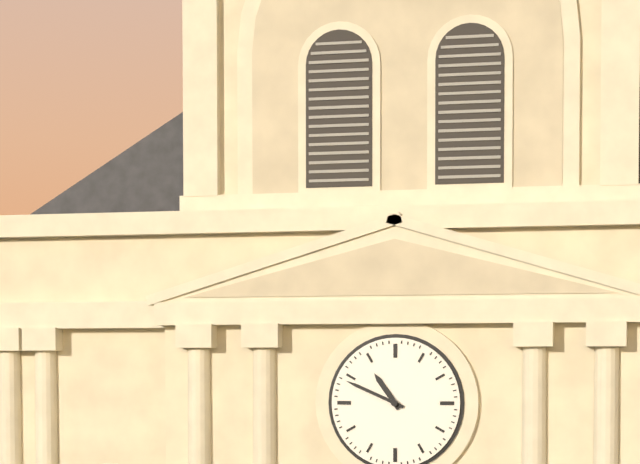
10:49
